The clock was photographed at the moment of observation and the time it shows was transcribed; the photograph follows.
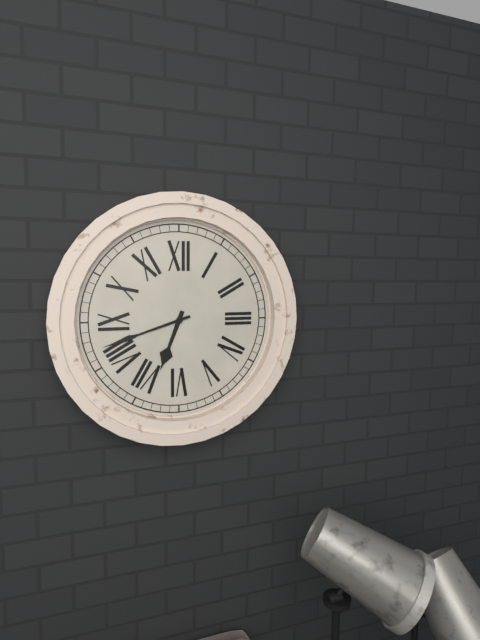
6:42
